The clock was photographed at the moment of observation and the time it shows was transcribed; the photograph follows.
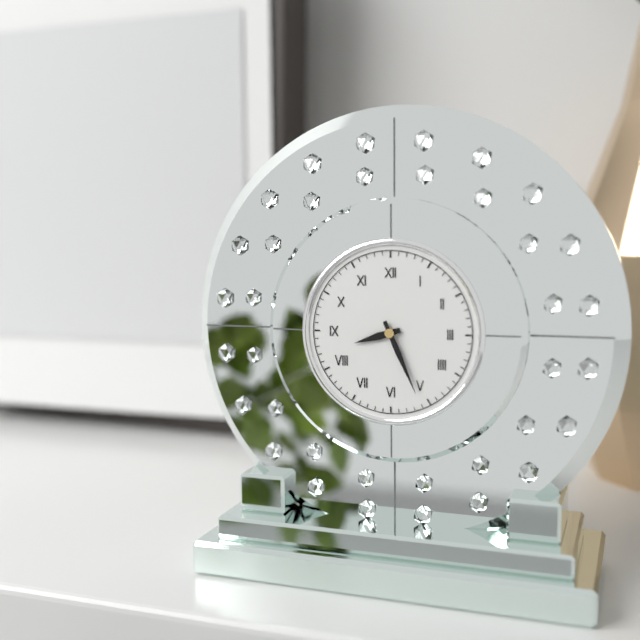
8:26
